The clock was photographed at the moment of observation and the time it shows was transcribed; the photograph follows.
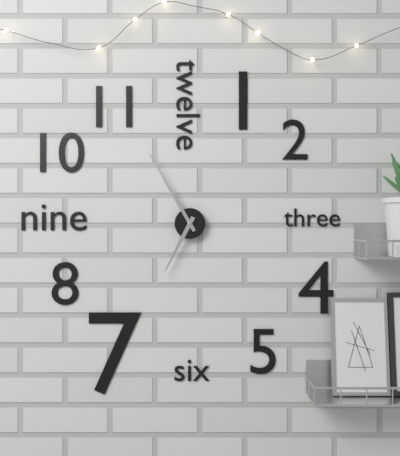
6:55
